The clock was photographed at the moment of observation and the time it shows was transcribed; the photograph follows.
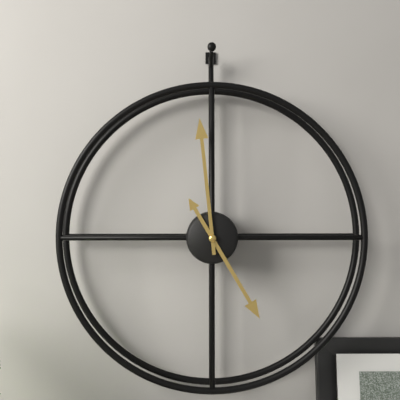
4:59
